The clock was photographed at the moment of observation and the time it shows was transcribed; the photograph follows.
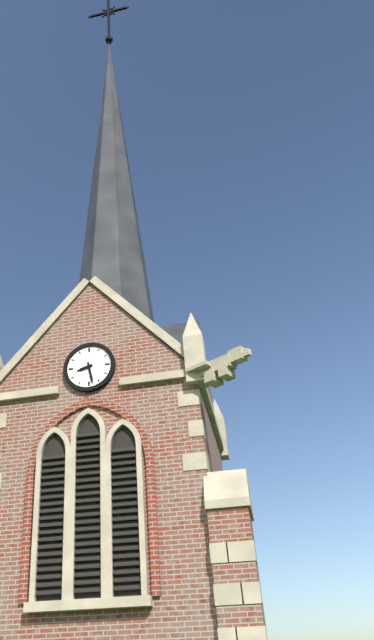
8:28
